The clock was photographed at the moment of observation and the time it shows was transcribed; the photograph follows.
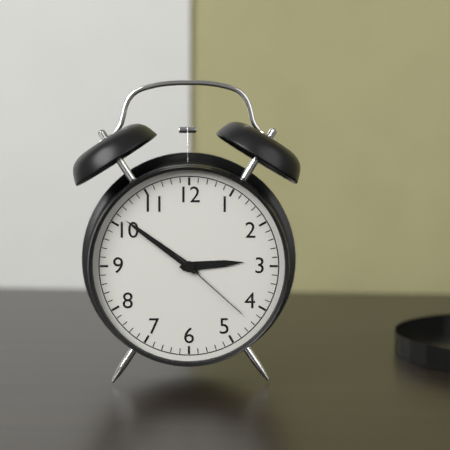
2:51:22
